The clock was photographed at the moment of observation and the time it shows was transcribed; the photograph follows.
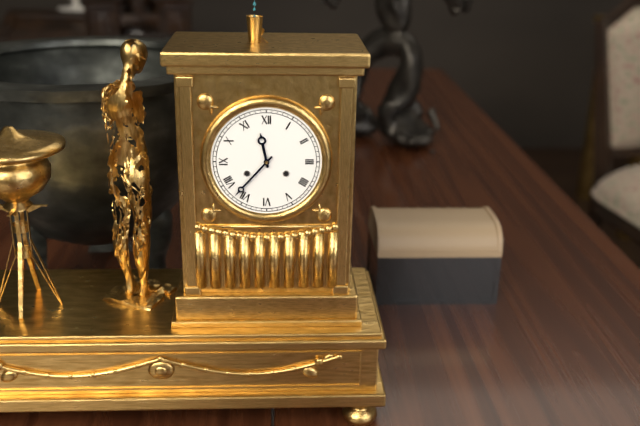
11:37
